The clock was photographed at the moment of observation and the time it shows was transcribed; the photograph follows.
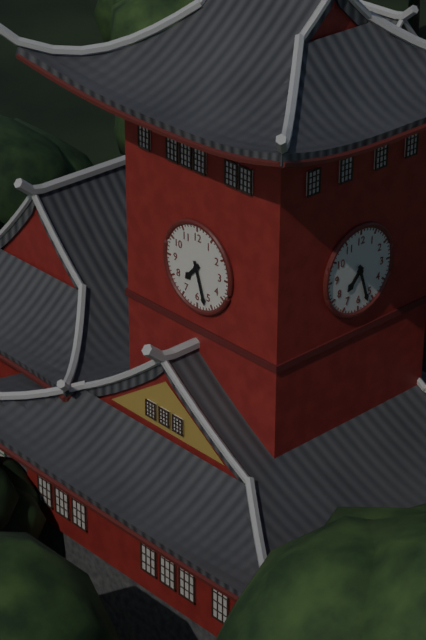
7:27
